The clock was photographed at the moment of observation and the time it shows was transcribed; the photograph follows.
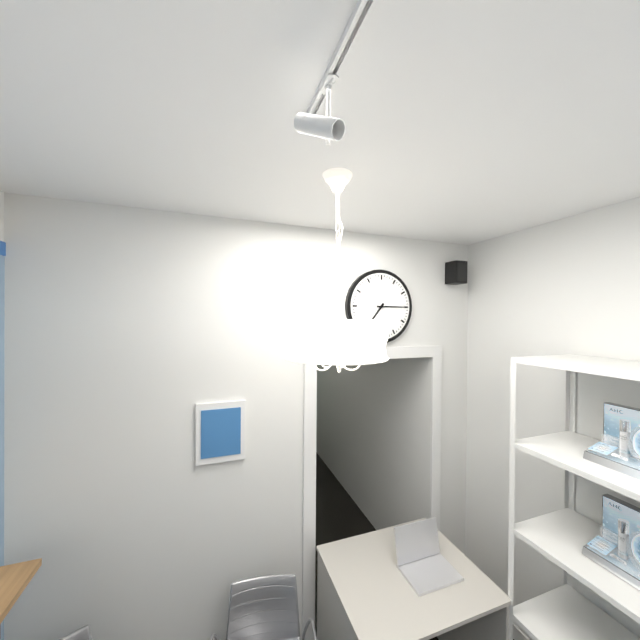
7:15
